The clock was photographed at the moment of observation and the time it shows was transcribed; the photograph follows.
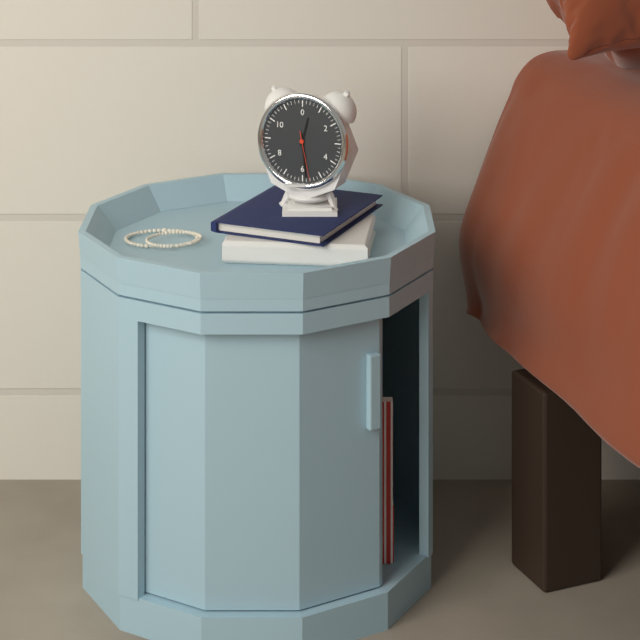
12:29:28
